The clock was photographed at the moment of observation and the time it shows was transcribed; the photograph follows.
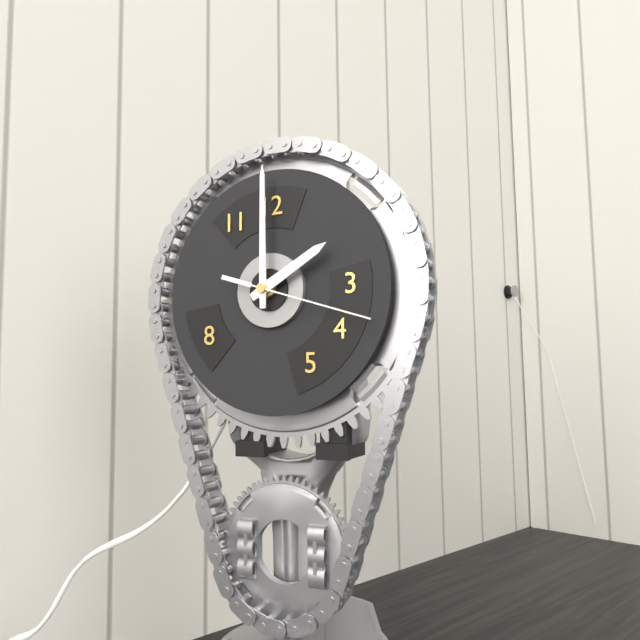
2:00:18
